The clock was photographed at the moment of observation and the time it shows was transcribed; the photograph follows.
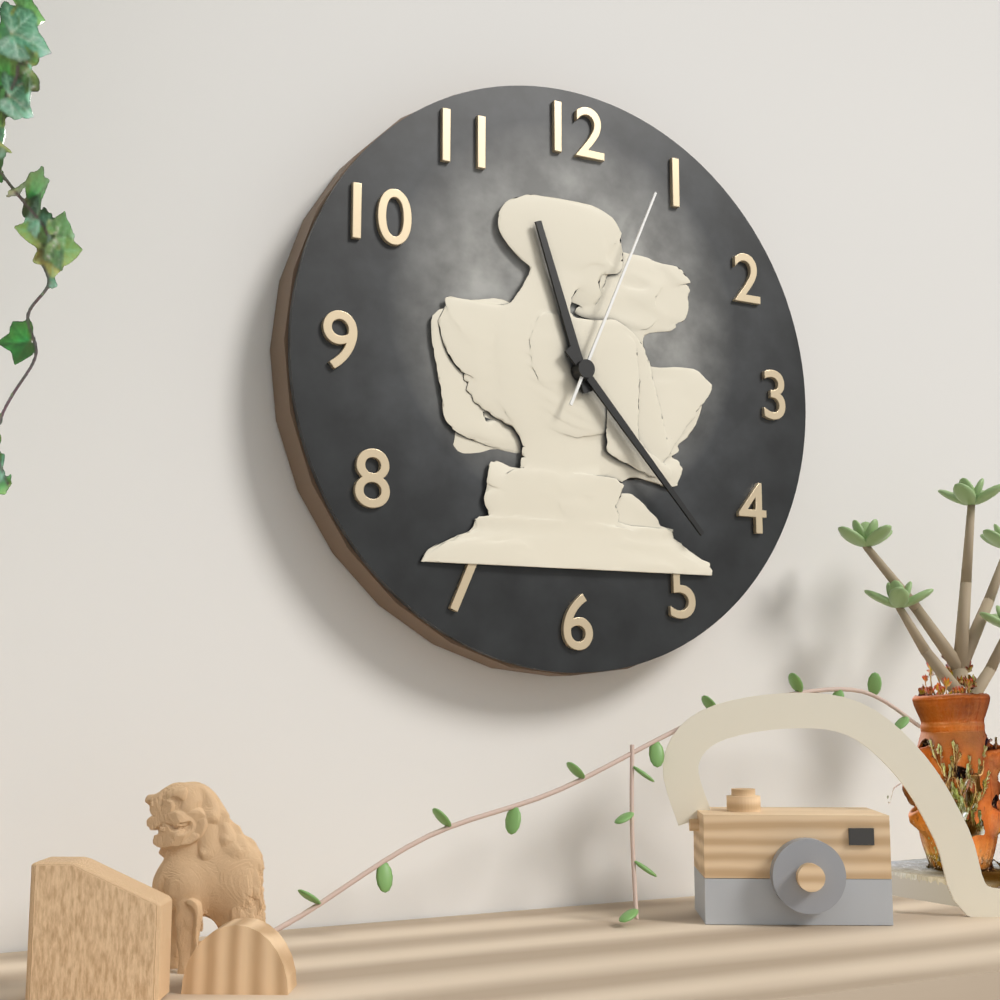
11:23:04
